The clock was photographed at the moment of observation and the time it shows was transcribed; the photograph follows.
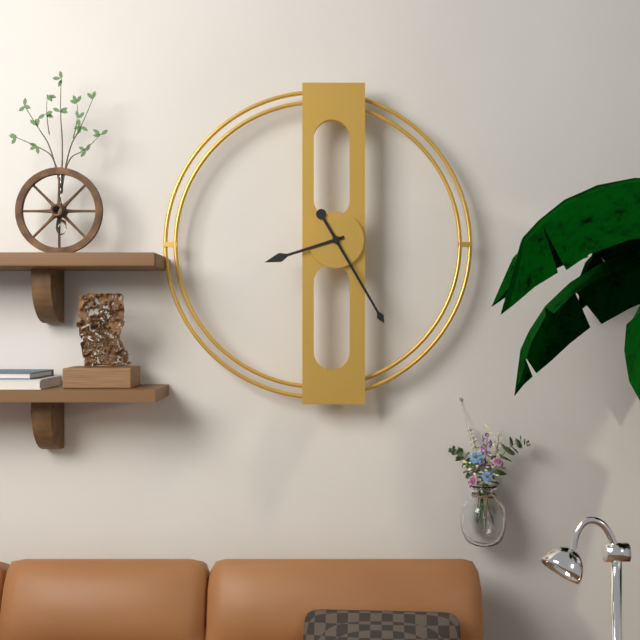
8:25
